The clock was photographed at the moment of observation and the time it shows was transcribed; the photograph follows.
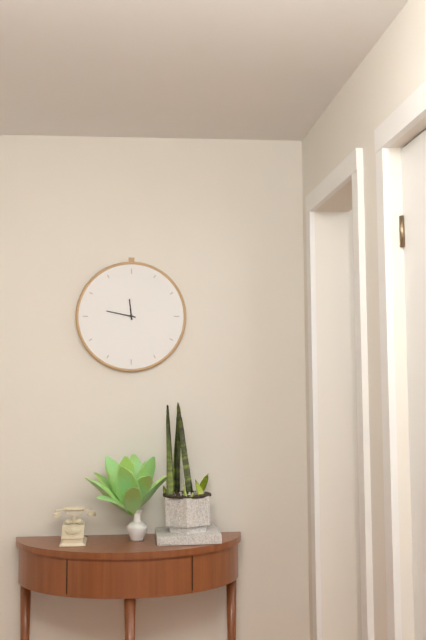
11:47
